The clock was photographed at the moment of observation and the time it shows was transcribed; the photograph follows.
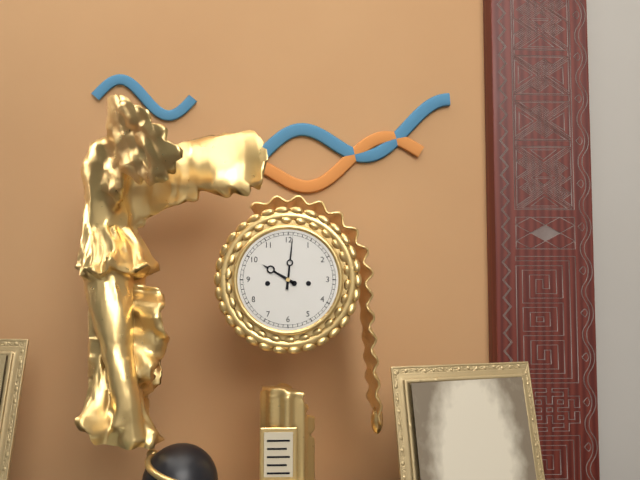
10:01
